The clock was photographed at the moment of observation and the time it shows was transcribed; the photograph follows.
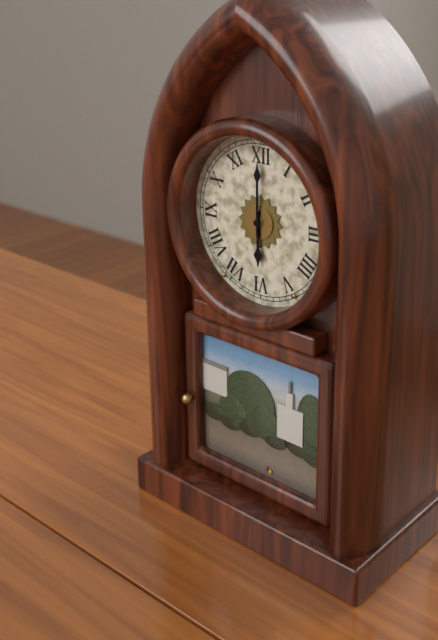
6:00
